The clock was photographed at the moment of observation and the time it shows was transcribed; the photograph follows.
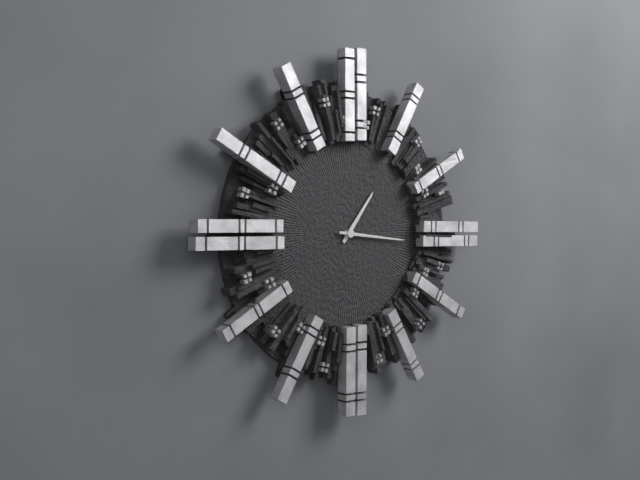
1:16
